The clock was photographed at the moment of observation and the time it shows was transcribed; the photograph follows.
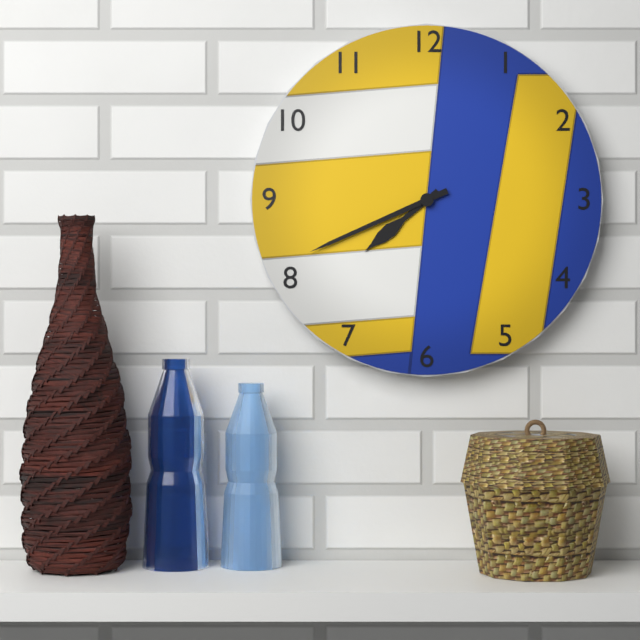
7:41
